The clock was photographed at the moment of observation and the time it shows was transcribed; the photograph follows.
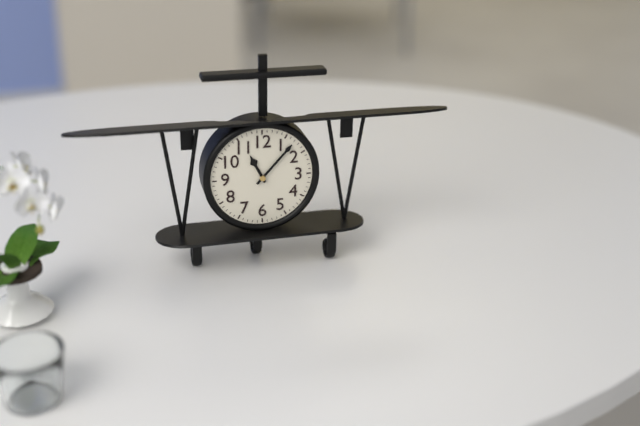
11:07
